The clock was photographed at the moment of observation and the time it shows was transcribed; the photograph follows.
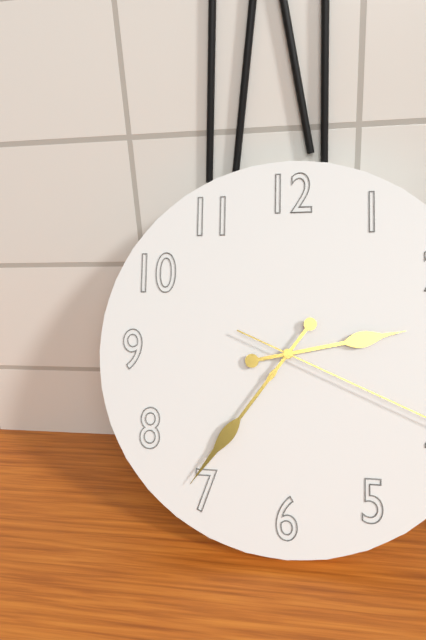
2:36
